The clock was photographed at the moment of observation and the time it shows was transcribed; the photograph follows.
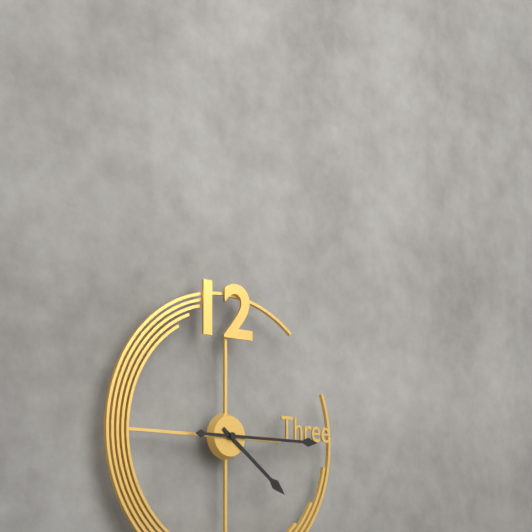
4:15
